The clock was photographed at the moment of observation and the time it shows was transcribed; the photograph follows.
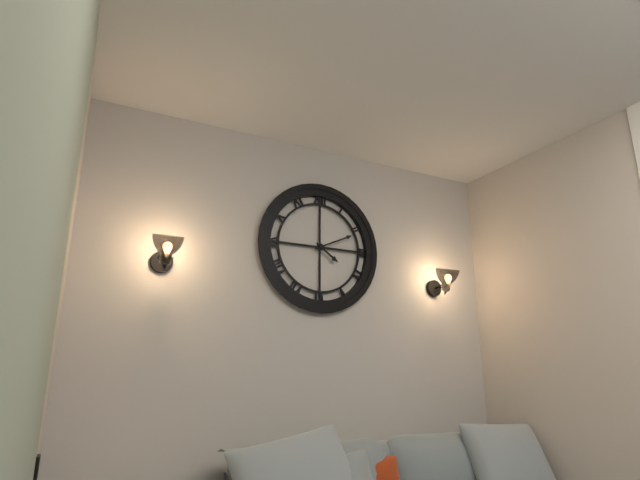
4:11
